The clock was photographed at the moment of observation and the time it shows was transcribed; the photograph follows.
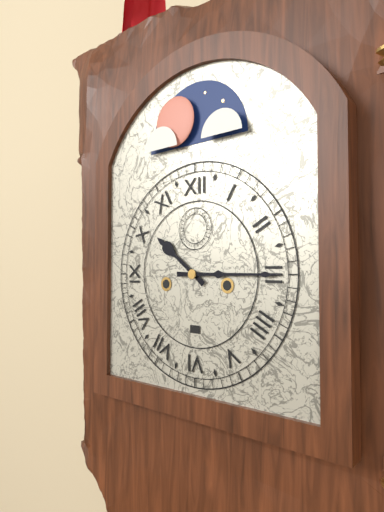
10:15
